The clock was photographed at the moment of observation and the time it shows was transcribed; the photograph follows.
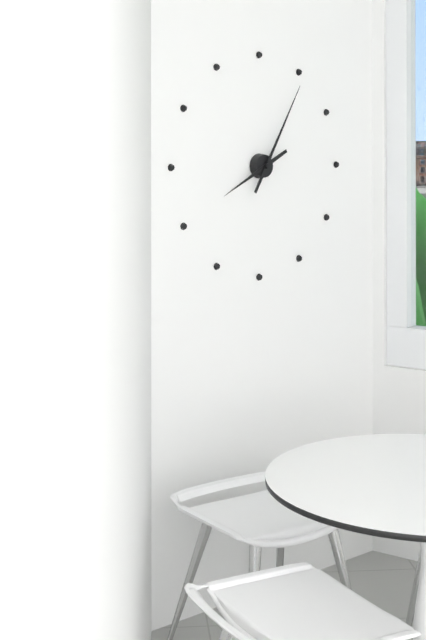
8:05
